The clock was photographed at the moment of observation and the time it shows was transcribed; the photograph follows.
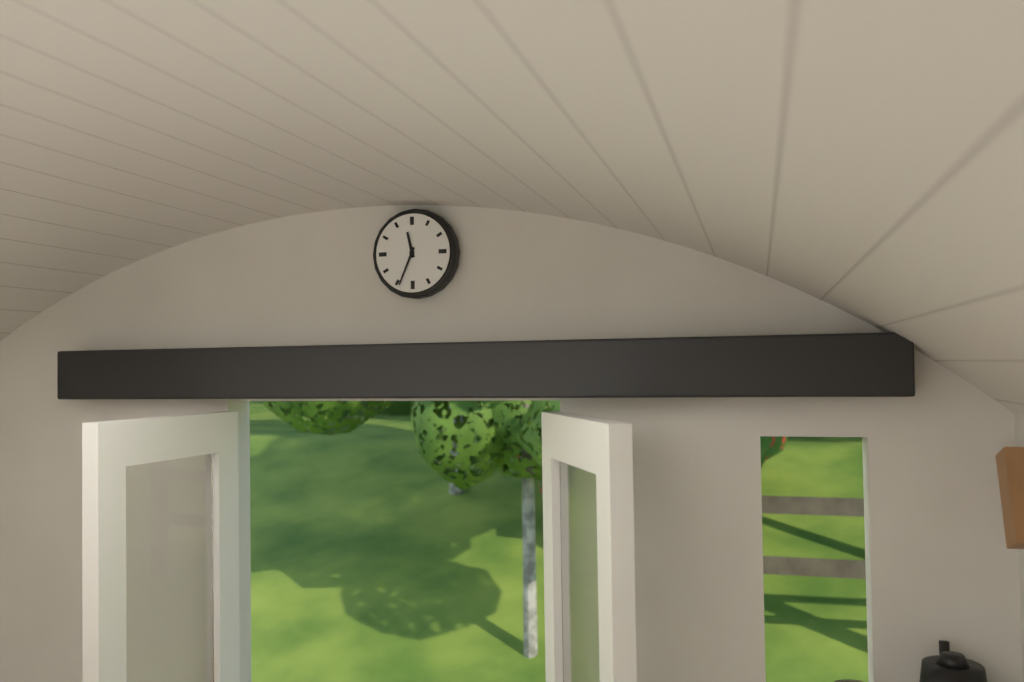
11:34
